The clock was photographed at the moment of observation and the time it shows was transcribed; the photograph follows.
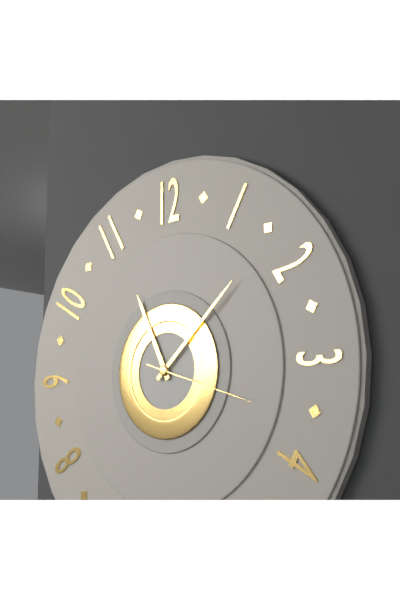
11:08:18
